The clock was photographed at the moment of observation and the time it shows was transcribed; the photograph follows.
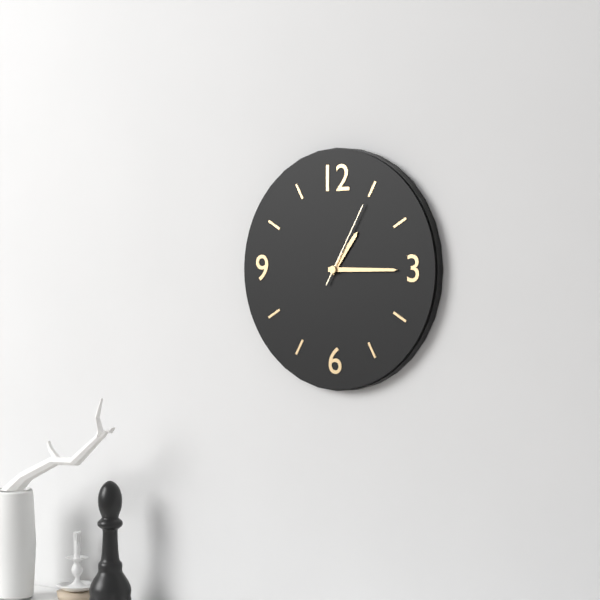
1:15:05
